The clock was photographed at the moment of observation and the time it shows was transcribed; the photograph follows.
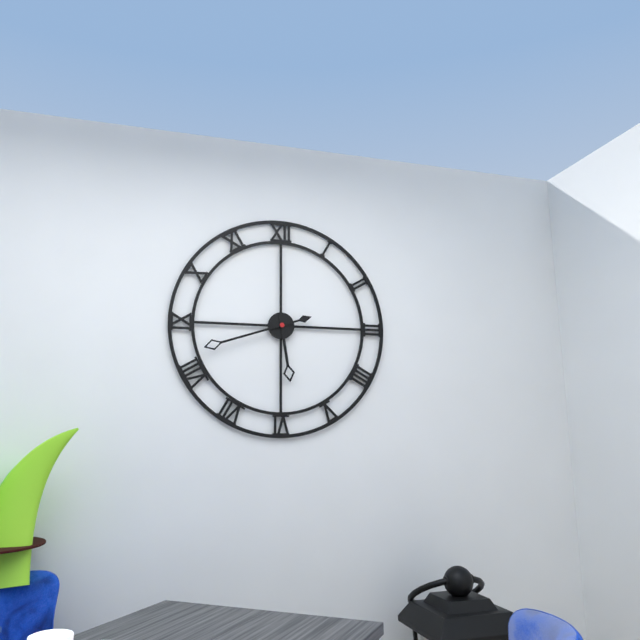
5:42
